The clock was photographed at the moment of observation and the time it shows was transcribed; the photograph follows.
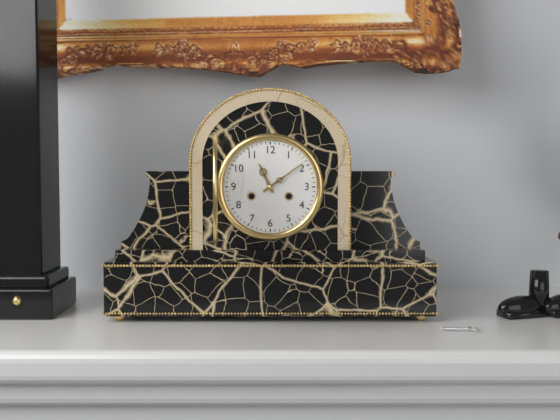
11:09
